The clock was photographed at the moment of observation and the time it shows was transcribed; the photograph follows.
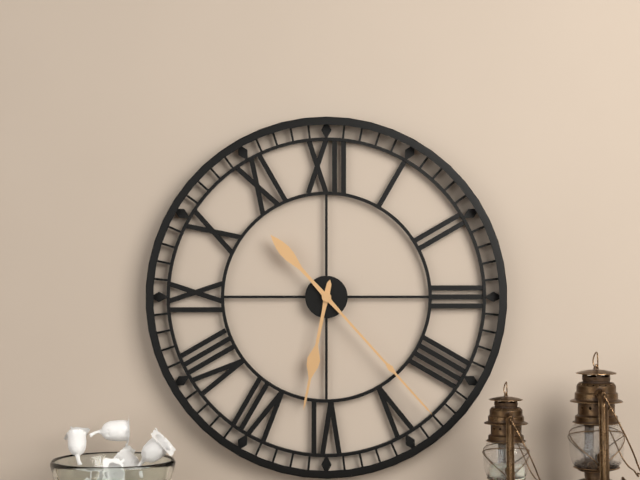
6:23
